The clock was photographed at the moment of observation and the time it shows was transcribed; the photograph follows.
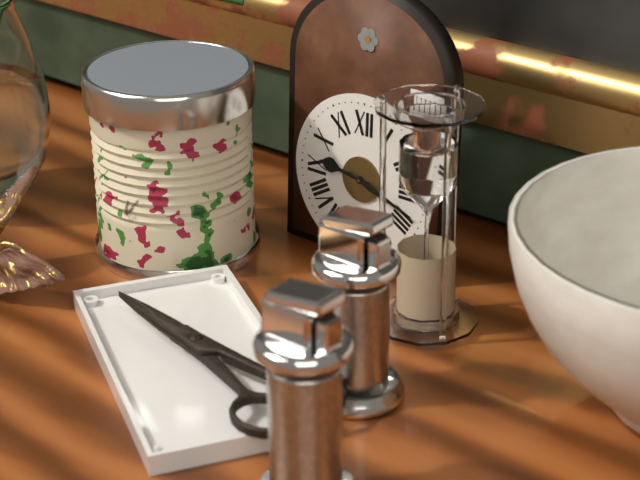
9:18
